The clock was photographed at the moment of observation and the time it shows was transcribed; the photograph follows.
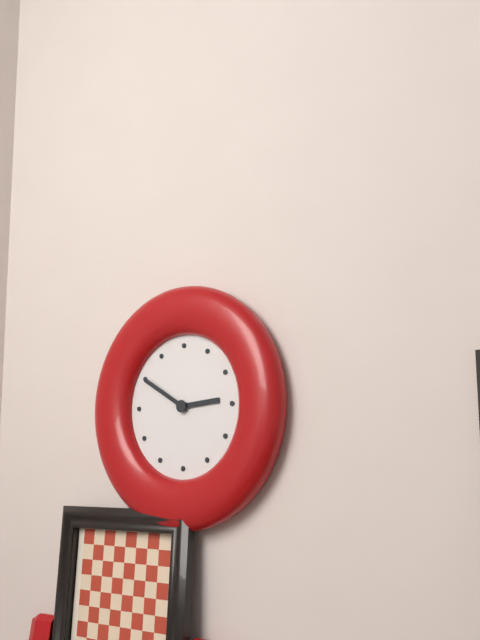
2:50
